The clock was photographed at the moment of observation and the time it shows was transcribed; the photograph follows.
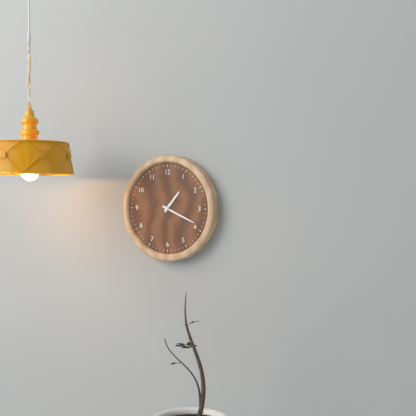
1:19
